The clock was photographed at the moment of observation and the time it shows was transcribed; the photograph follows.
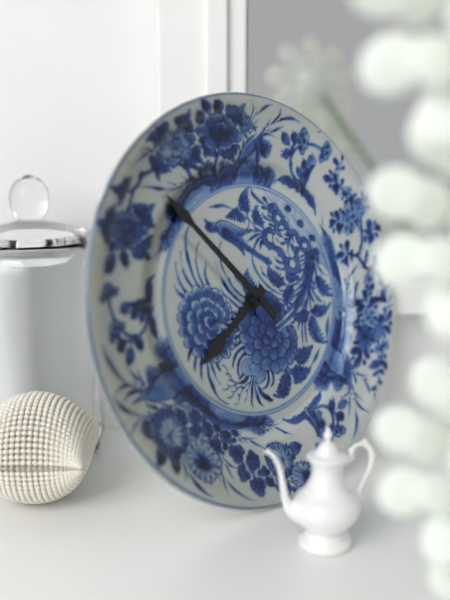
7:53
